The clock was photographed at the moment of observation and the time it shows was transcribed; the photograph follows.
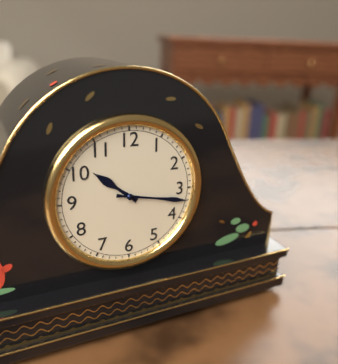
10:17
